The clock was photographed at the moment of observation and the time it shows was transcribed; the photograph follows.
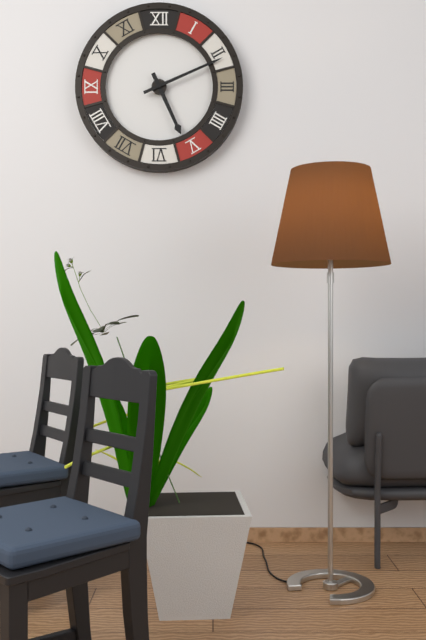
5:11
